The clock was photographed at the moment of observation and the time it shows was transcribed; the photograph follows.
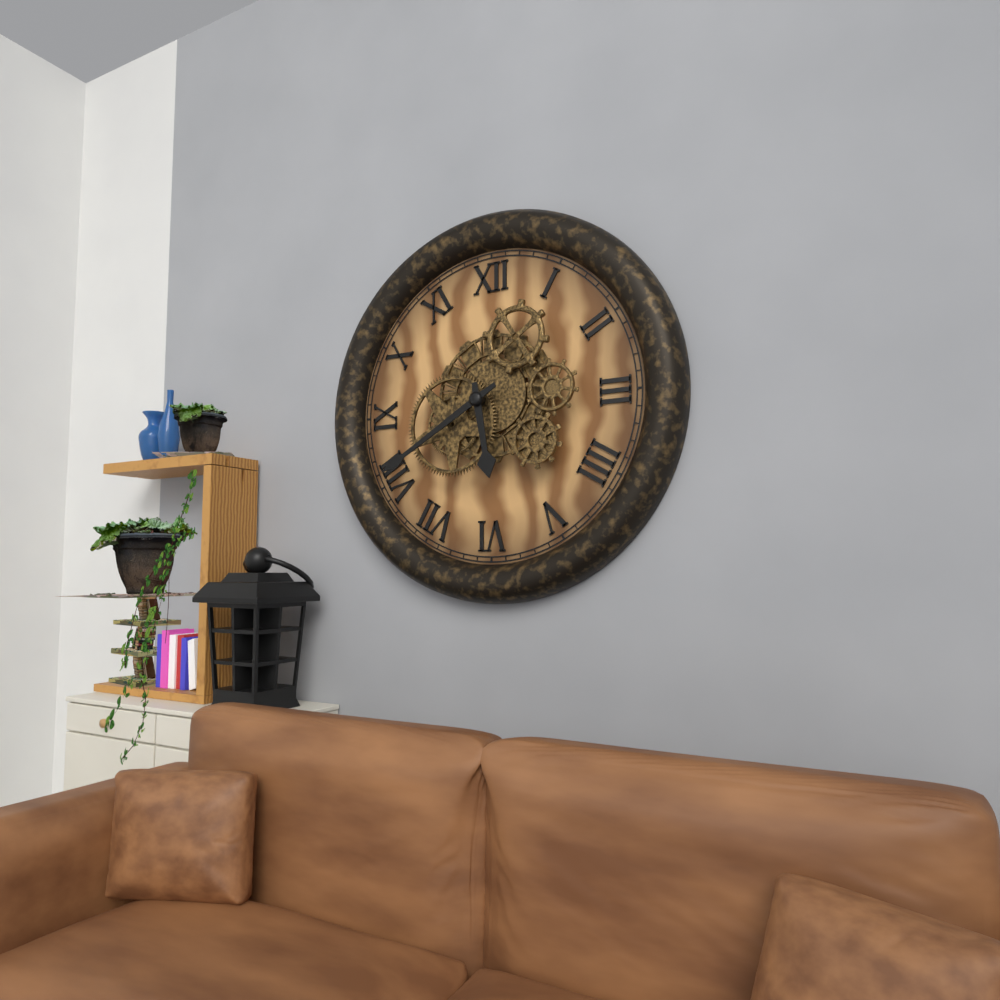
5:40
